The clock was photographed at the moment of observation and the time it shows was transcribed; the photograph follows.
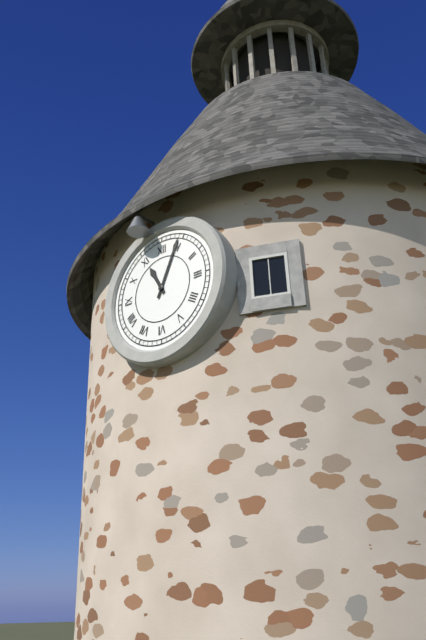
11:04
